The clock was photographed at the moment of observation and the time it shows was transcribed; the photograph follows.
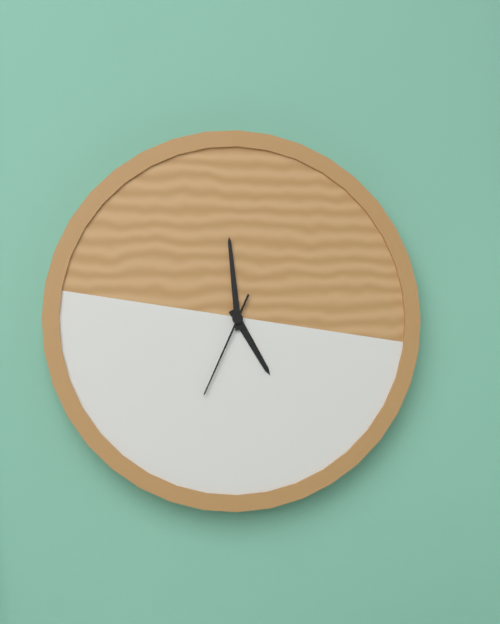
4:59:34
